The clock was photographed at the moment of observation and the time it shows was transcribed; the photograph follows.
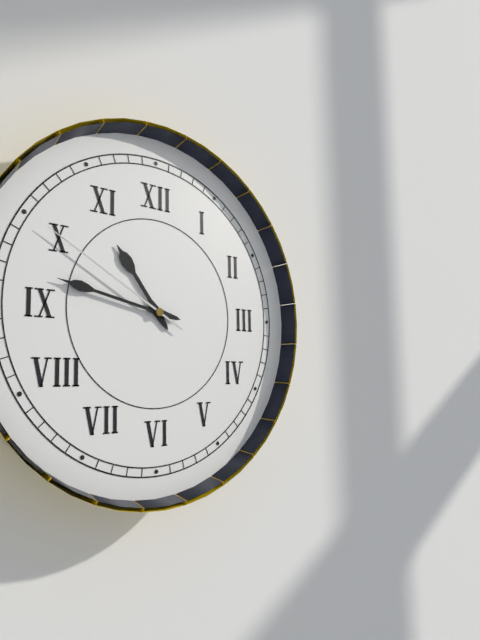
10:47:50
